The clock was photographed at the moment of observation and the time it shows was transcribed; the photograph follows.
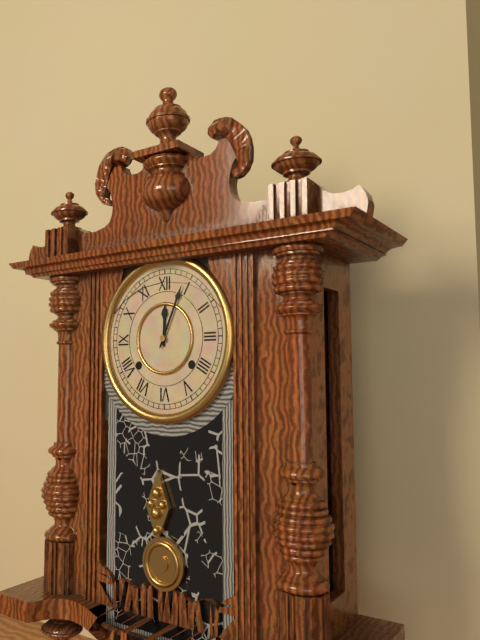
12:04
